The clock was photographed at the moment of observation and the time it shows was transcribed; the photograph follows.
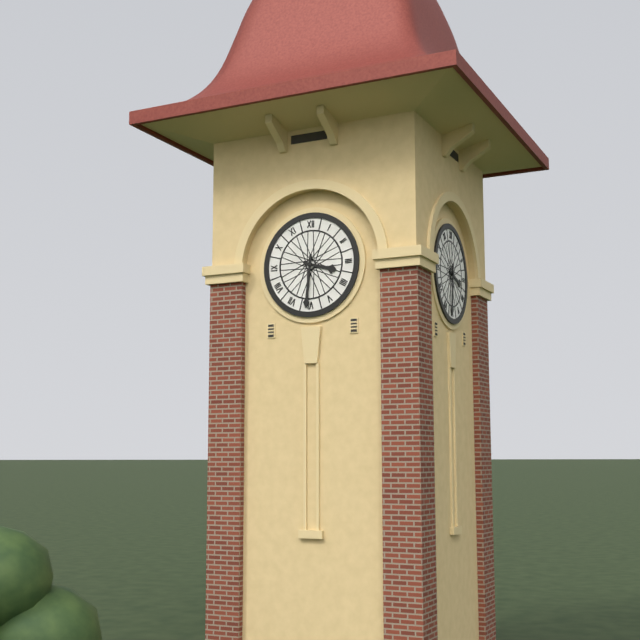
3:31
